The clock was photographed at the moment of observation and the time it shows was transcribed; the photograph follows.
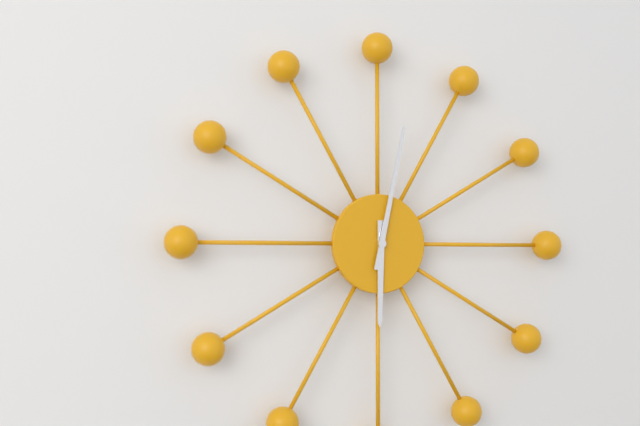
6:02
